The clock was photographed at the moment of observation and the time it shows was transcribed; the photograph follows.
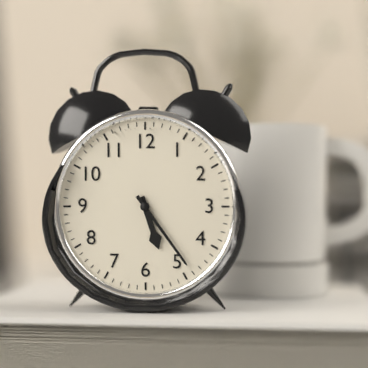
5:24
